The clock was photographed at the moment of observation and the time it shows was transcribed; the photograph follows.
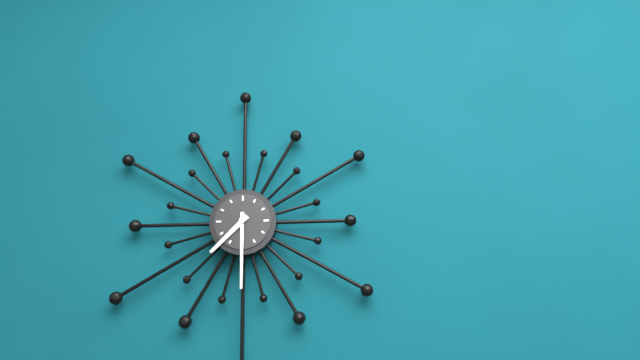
7:30
